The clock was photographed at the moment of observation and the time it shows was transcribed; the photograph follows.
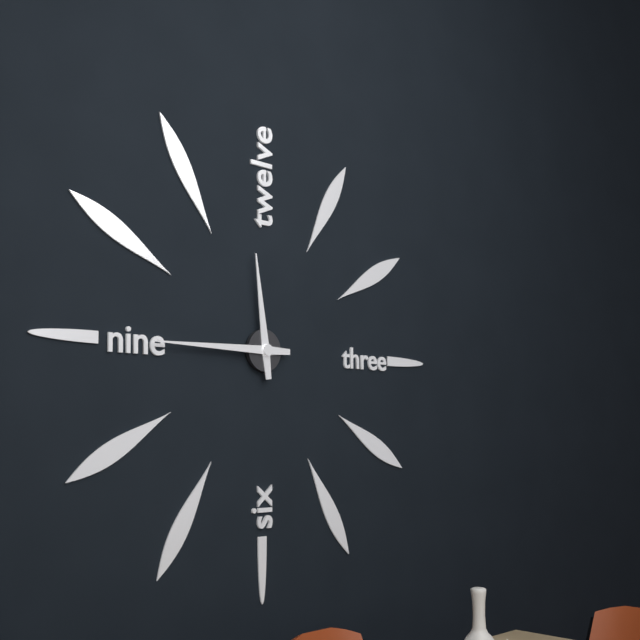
11:45
